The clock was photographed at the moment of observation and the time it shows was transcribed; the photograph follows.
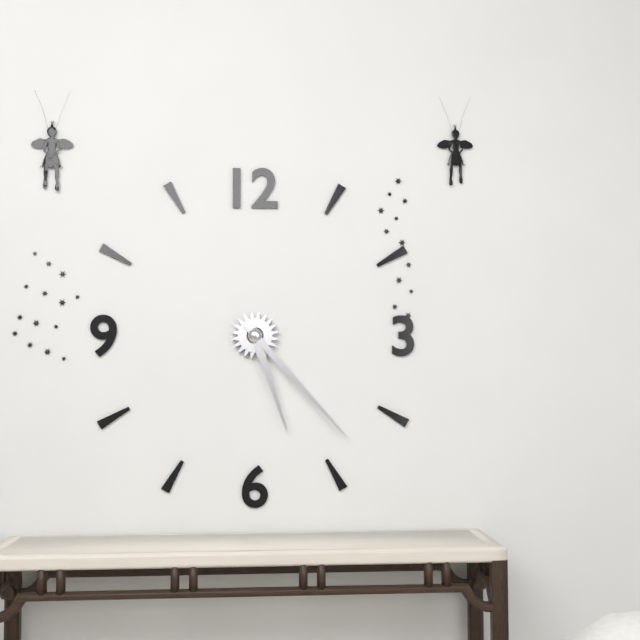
5:23
